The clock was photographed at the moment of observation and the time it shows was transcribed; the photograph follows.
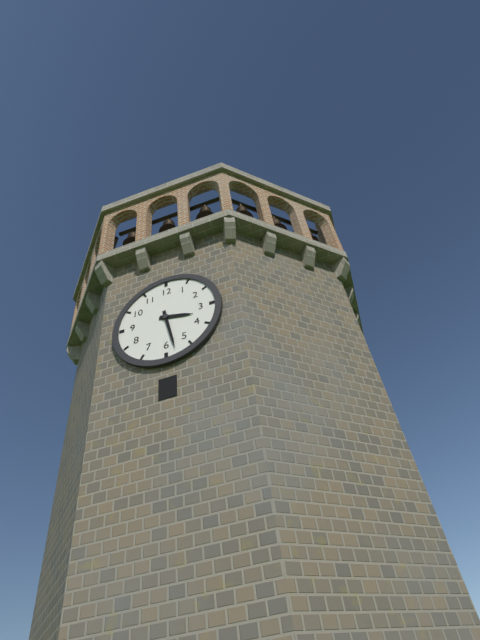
3:28
